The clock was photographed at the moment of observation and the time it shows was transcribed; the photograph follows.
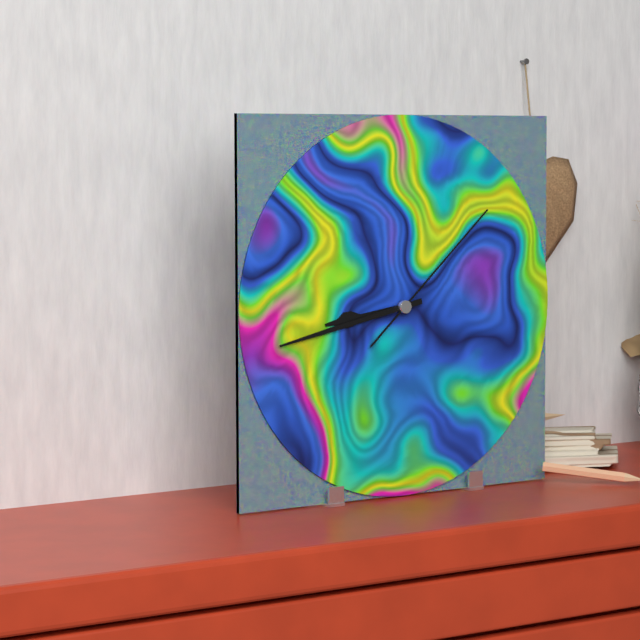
8:43:08
